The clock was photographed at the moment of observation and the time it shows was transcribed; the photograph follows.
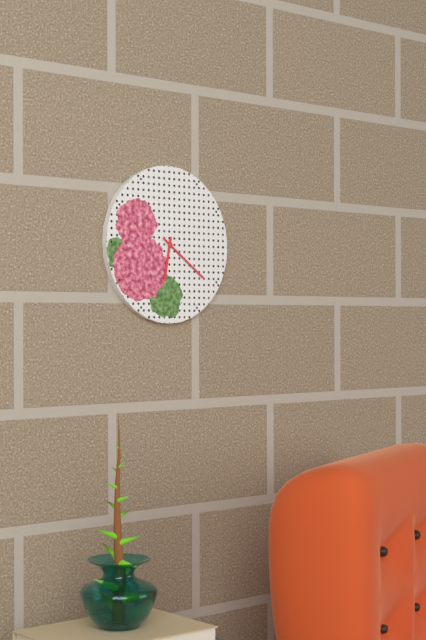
6:21
